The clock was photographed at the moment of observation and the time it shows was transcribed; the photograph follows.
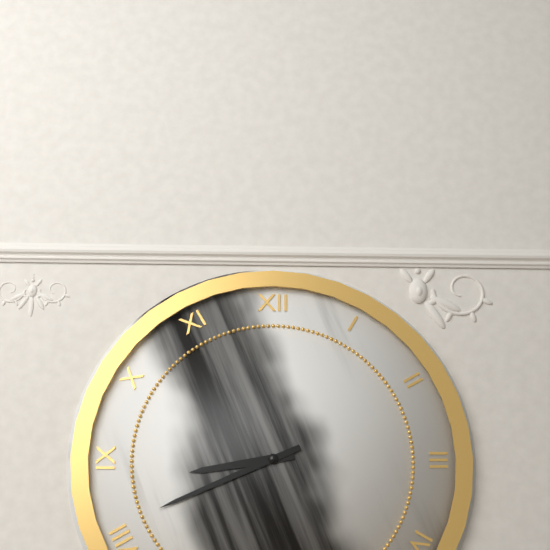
8:41
